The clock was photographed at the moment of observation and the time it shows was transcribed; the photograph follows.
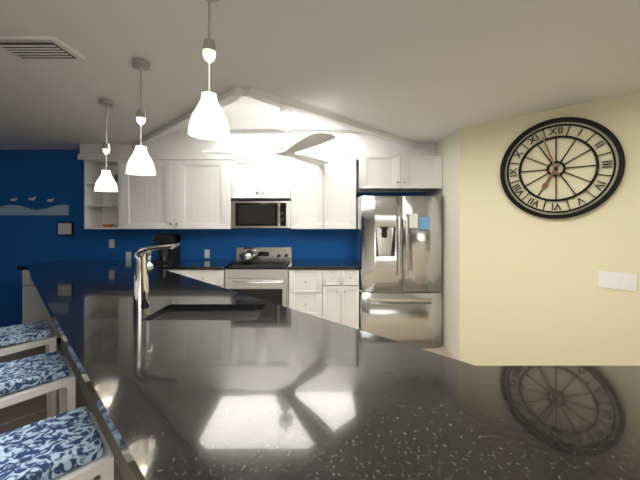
6:57
